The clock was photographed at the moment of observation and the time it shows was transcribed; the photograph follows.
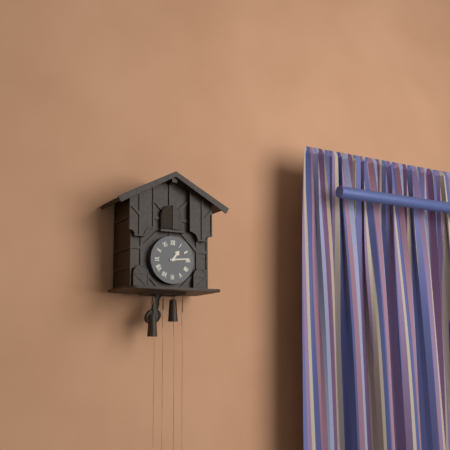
1:14
